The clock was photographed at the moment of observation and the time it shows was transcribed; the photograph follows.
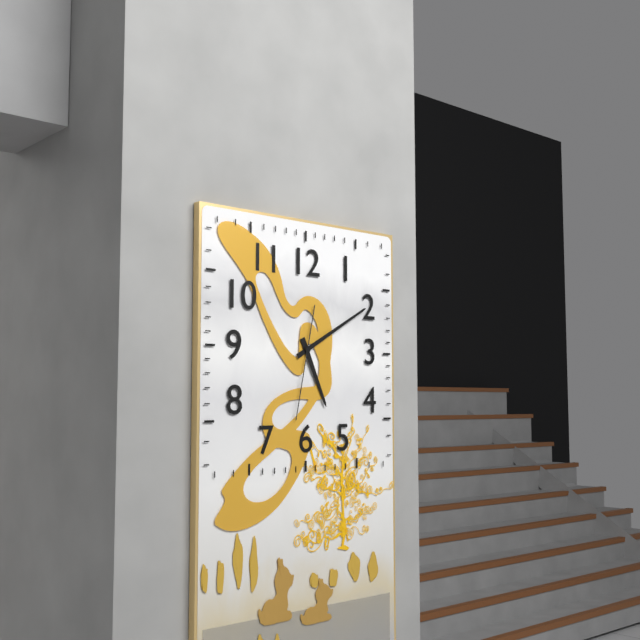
5:10:32
